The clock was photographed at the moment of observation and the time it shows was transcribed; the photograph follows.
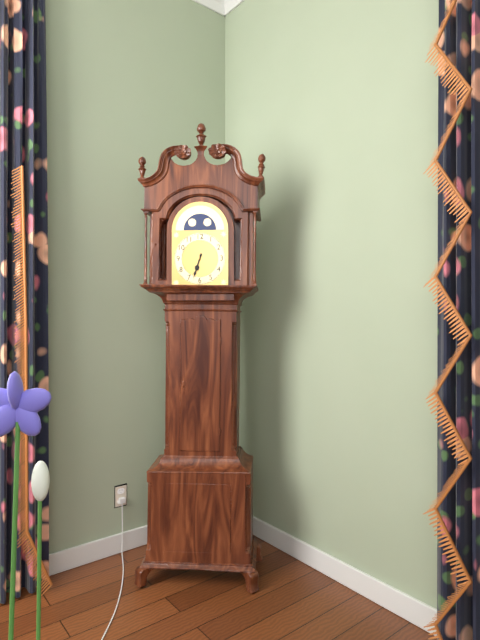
6:33
